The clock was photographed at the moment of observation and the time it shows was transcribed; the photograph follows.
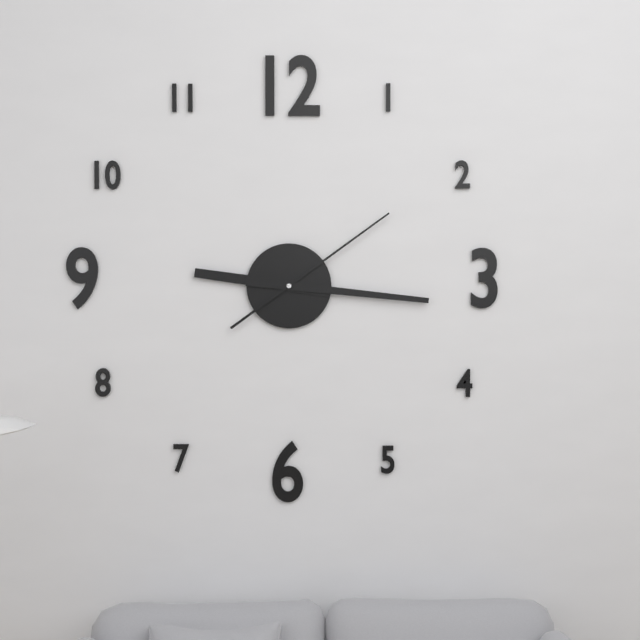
9:16:09
